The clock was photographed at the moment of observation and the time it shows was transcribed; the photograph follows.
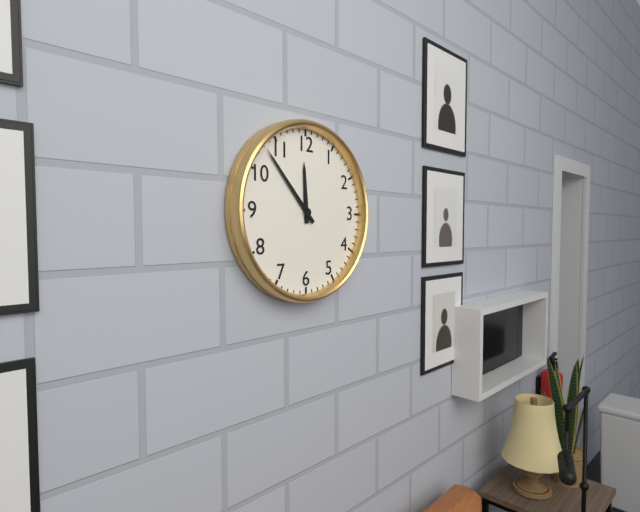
11:53
